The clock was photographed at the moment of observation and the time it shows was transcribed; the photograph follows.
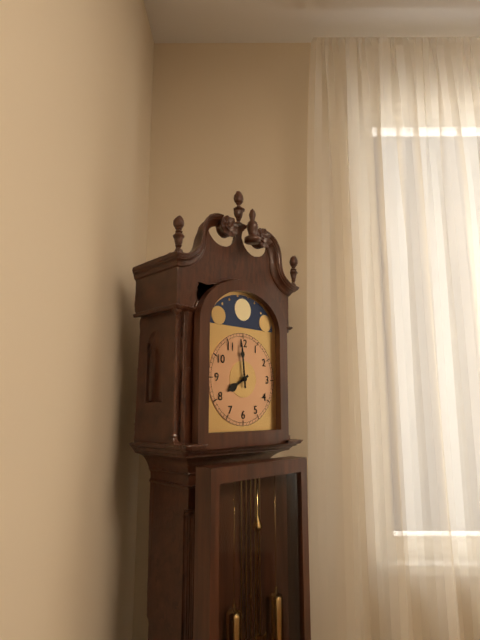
7:59
